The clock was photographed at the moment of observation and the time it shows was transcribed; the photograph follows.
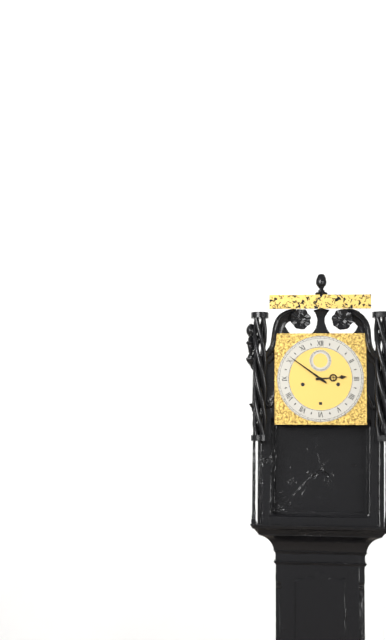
2:51
